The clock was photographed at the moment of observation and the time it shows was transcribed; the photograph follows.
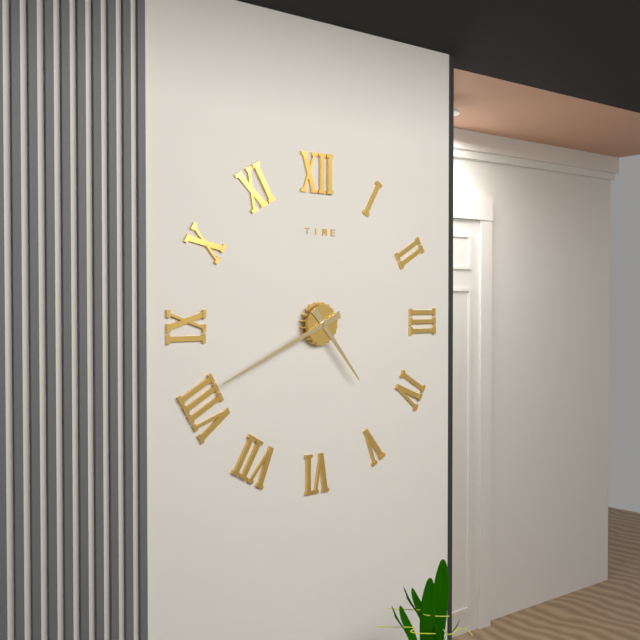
4:41
